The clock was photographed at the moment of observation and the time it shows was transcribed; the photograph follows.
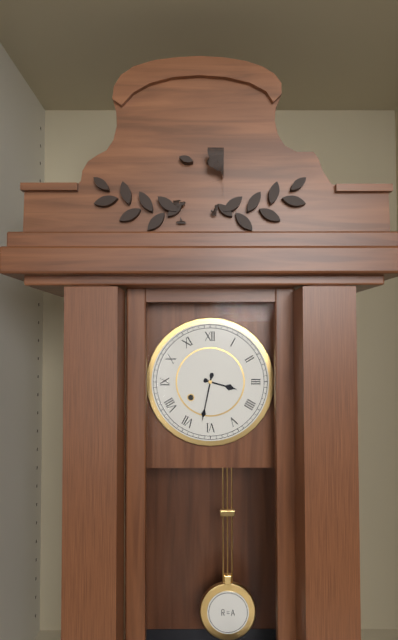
3:32
